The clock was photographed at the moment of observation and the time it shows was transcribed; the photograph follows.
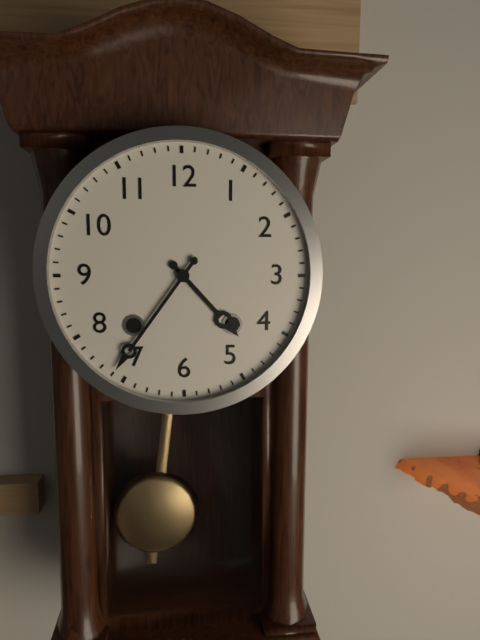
4:36
